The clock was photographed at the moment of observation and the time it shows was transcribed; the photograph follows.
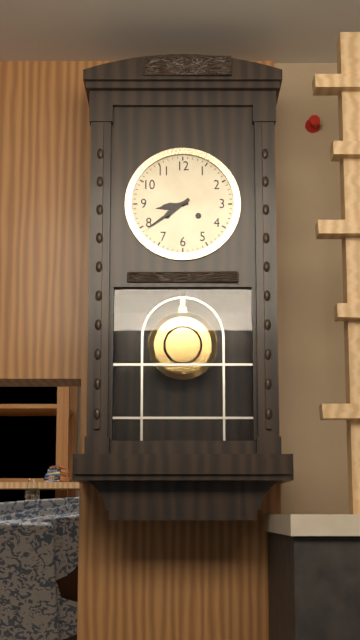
8:39
